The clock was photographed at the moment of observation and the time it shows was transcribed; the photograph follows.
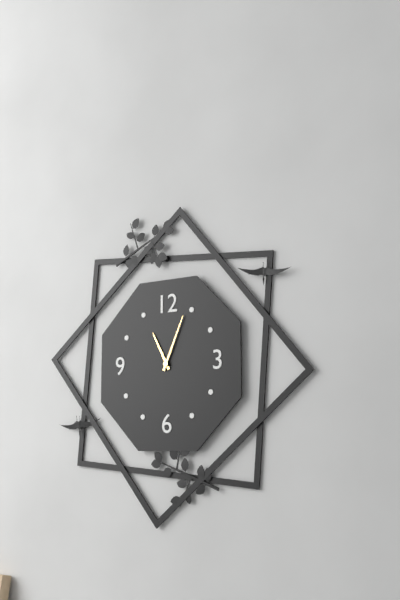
11:04
